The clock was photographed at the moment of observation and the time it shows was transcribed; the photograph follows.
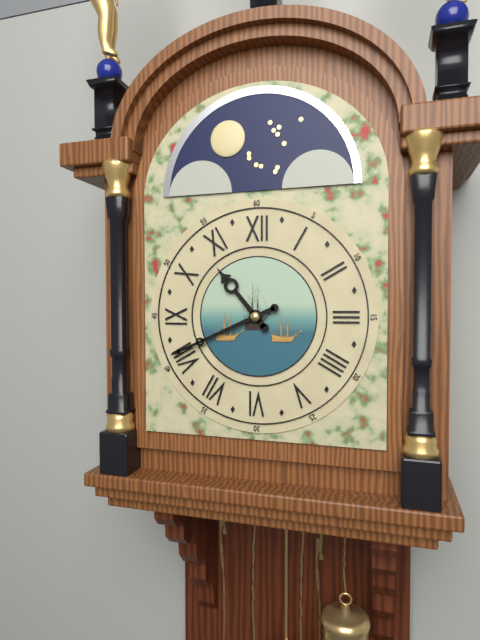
10:41
